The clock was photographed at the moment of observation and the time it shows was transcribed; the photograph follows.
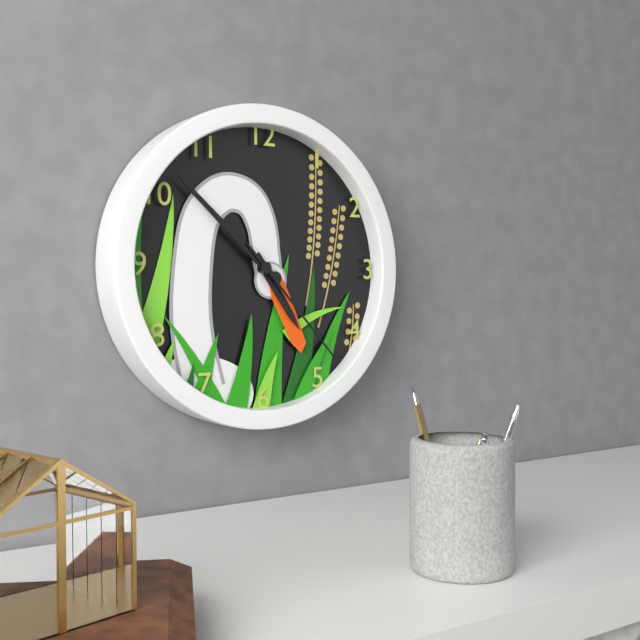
4:52:23
